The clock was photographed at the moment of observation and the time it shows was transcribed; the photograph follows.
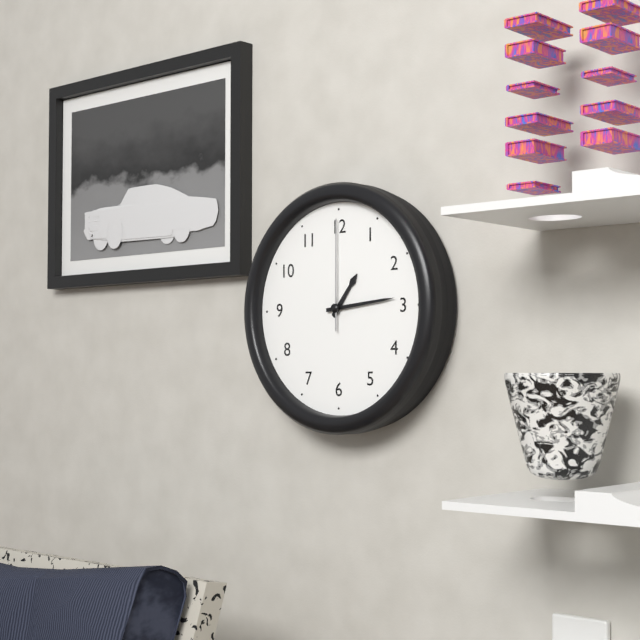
1:14:00
